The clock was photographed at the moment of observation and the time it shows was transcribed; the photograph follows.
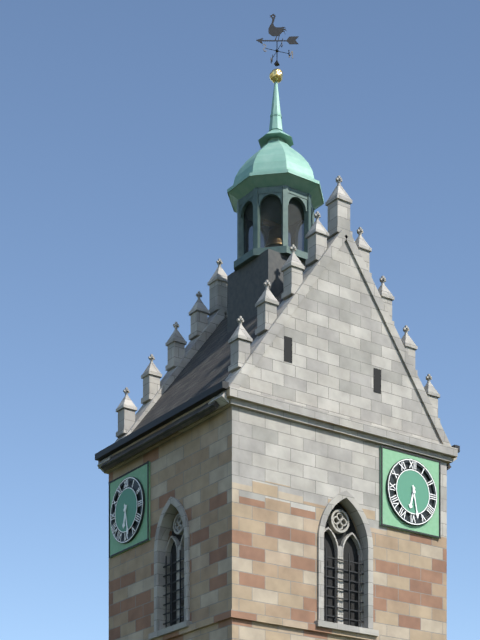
6:28
